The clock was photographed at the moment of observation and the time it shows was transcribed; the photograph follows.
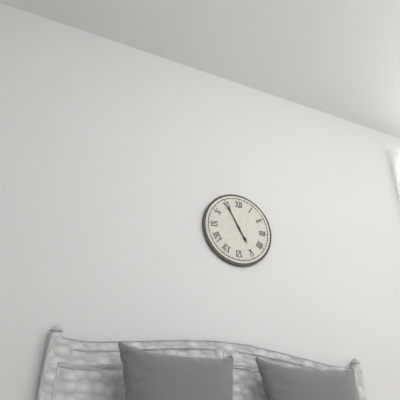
4:55
